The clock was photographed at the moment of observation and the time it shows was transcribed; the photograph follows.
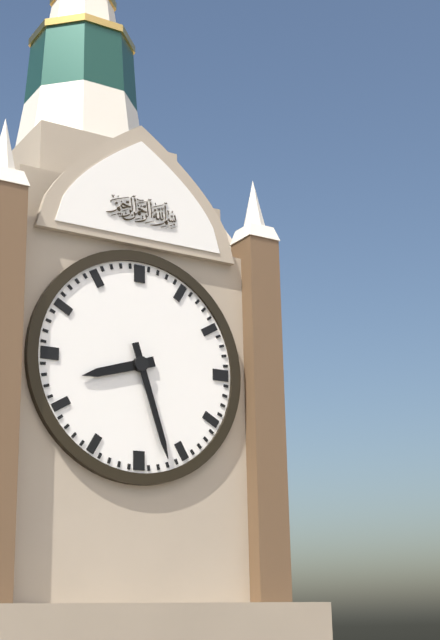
8:27
